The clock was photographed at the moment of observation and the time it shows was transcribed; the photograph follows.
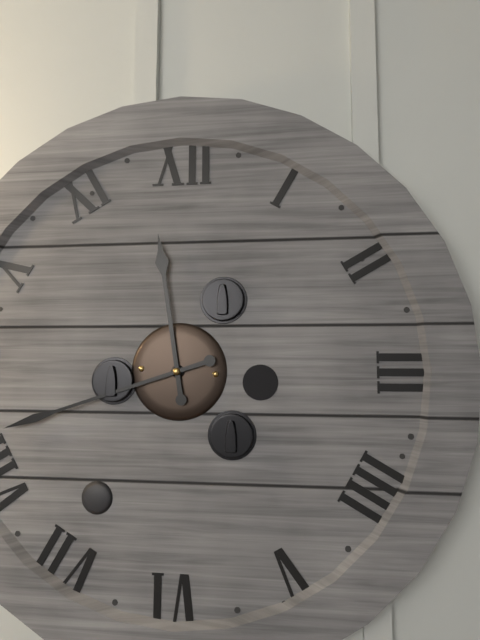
11:42
